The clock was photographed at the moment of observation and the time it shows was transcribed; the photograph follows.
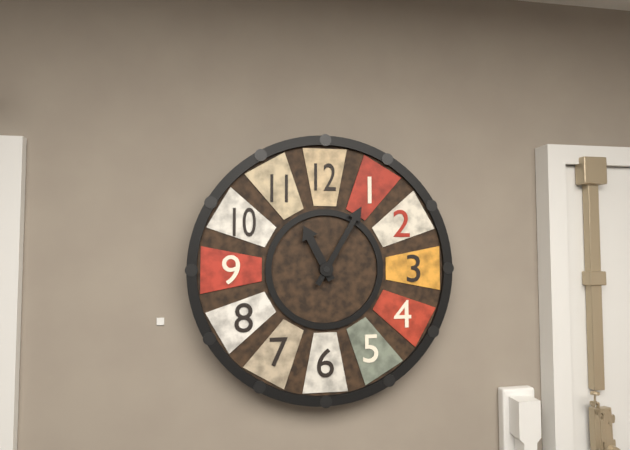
11:05
